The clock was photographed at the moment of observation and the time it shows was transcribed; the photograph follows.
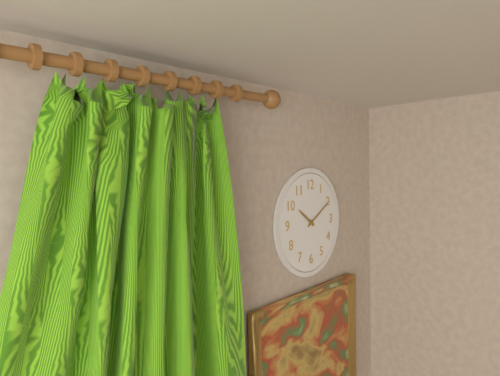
10:10
